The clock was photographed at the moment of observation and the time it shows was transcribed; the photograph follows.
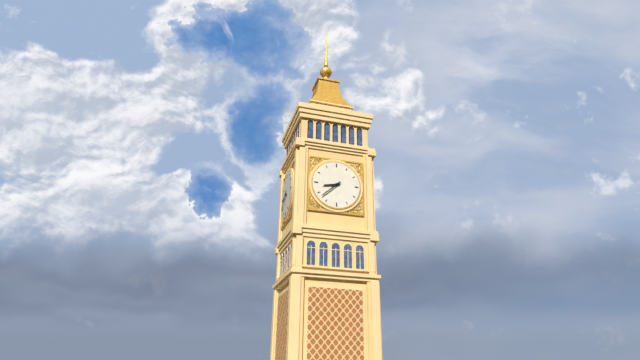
8:38
